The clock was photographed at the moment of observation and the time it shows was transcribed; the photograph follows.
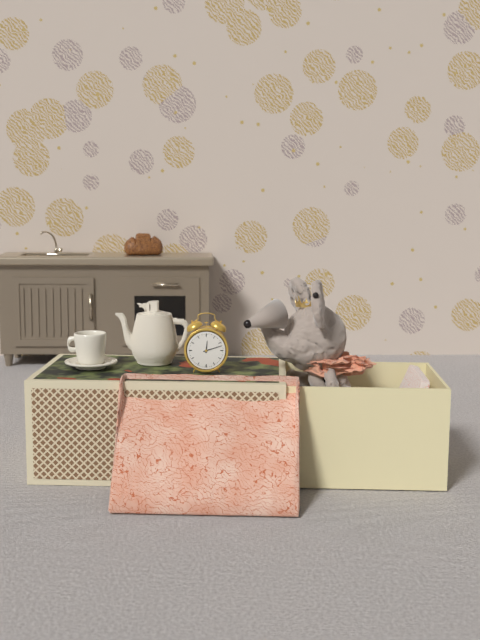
12:12
